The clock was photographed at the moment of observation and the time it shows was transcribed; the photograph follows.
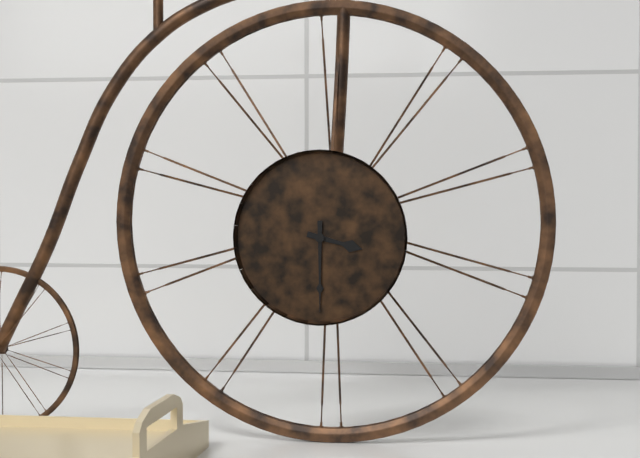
3:30
